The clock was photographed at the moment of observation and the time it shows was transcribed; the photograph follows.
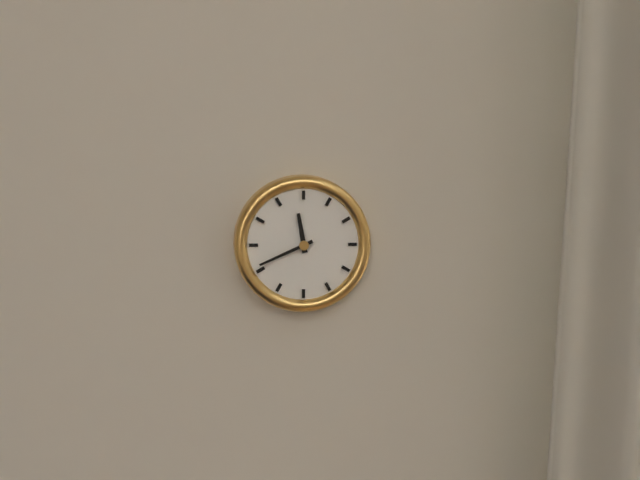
11:41
